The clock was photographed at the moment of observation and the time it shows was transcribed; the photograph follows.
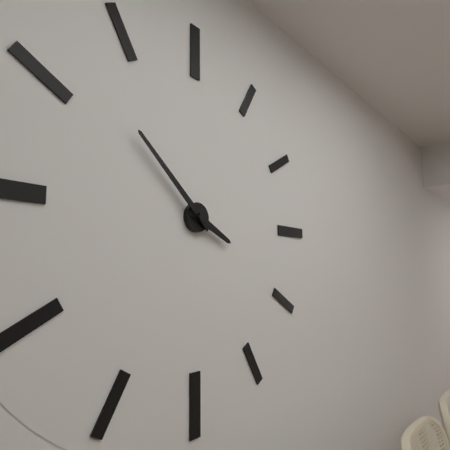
3:52
